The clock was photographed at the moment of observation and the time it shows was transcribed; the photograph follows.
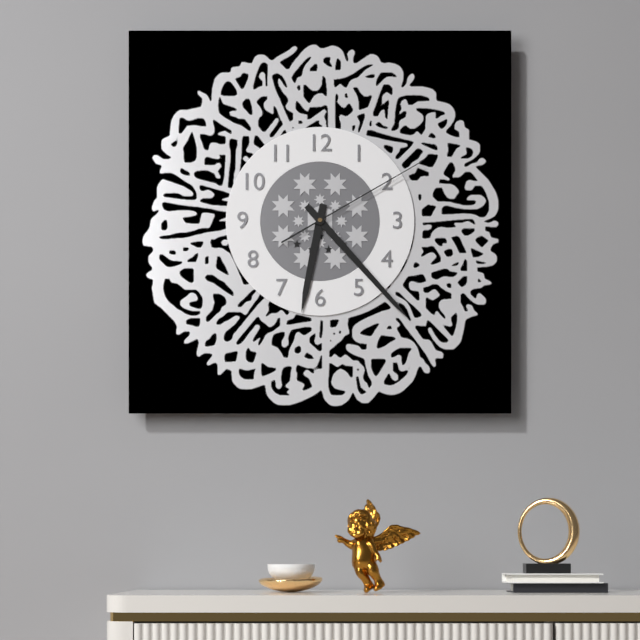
6:23:10
